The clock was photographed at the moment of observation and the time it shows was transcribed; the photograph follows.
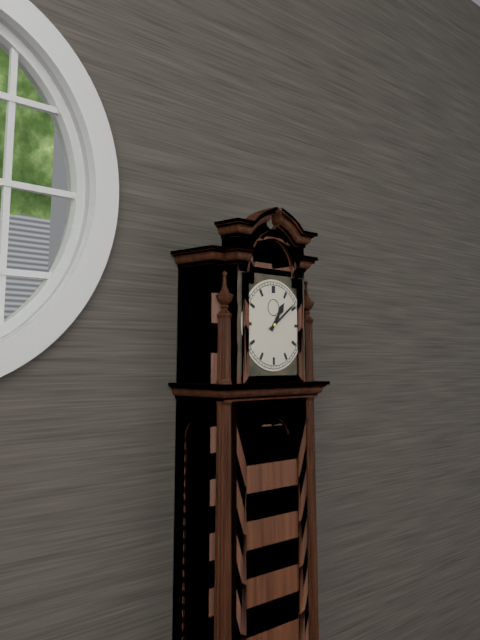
1:09
